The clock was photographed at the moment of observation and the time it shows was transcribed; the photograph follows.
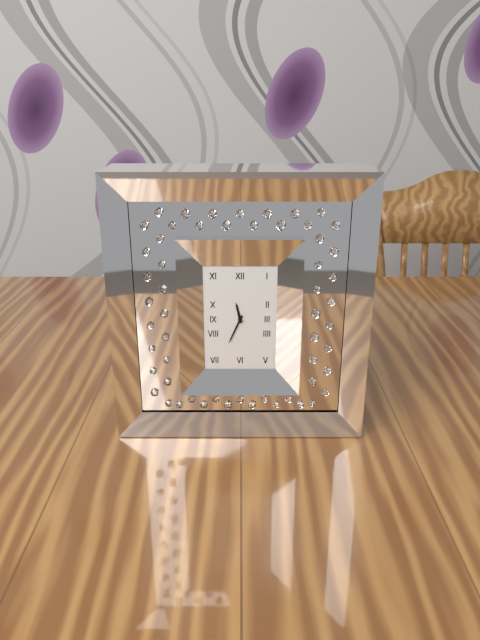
11:34
